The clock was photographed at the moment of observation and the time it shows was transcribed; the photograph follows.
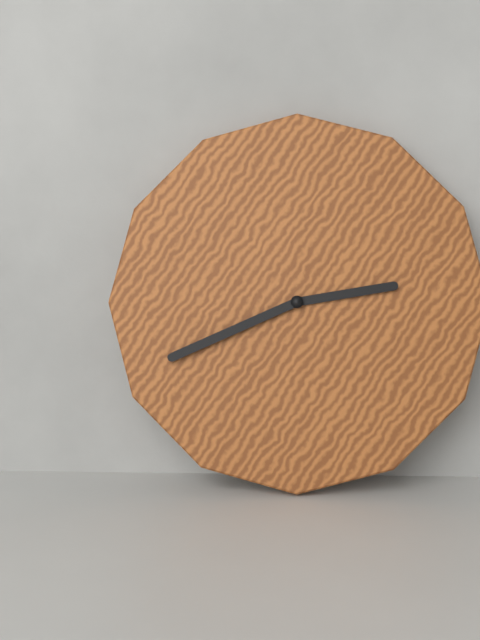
2:41
